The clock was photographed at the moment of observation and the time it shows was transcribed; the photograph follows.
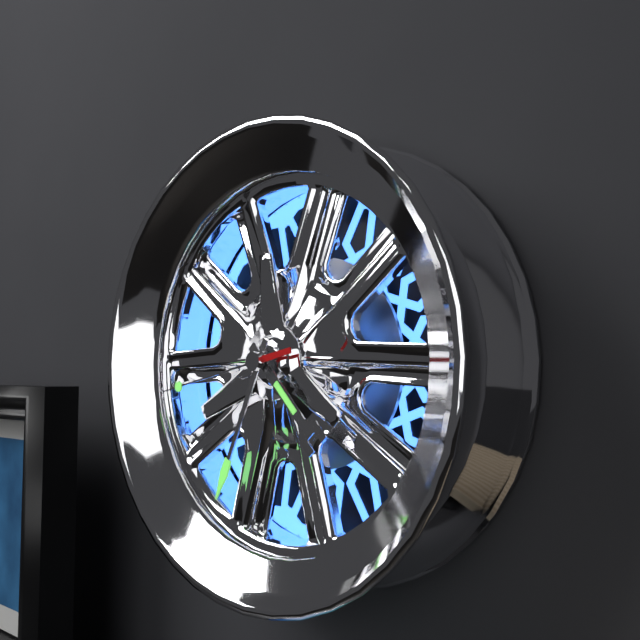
4:34:43
